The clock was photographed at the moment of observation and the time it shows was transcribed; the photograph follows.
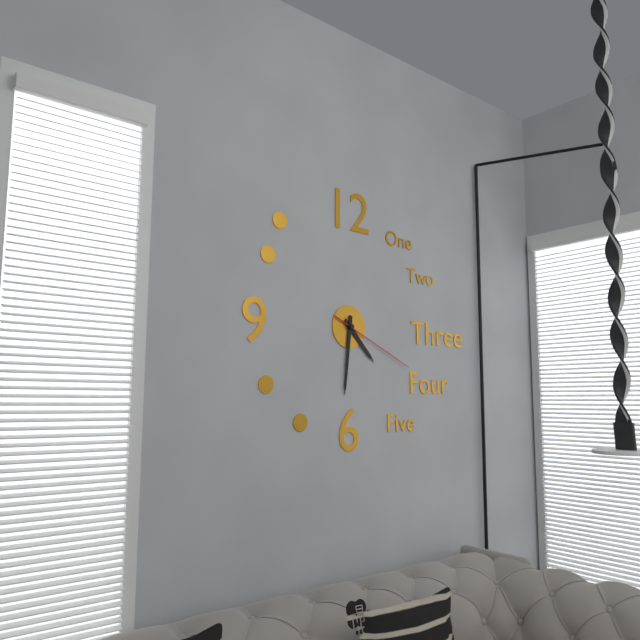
4:31:19
